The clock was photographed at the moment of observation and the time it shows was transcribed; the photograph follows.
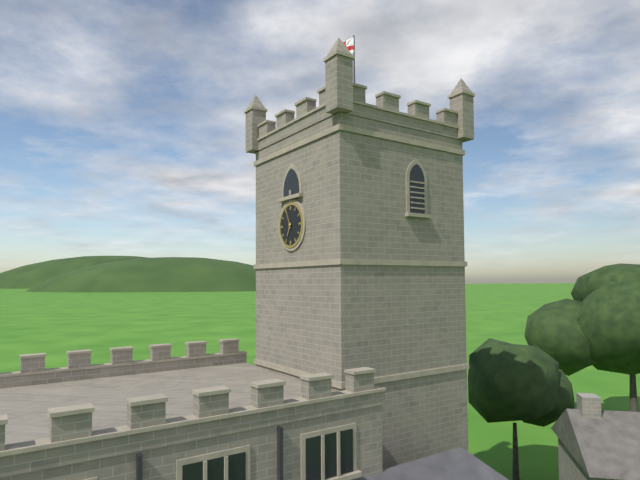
6:56
